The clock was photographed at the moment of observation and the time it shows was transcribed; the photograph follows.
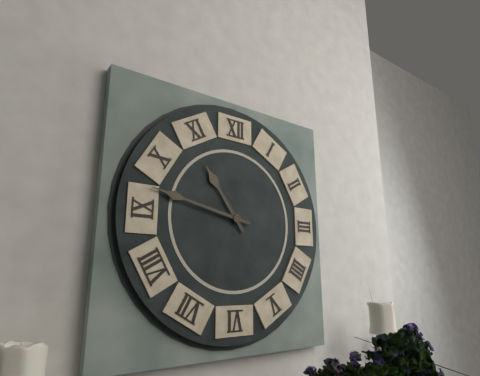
10:47
